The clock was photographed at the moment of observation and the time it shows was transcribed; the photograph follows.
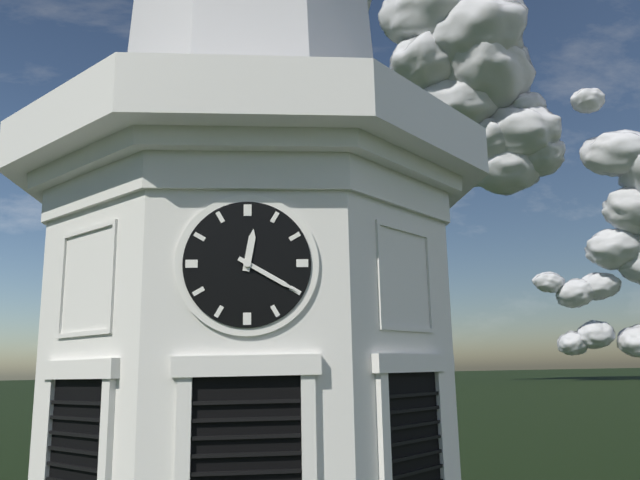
12:20
